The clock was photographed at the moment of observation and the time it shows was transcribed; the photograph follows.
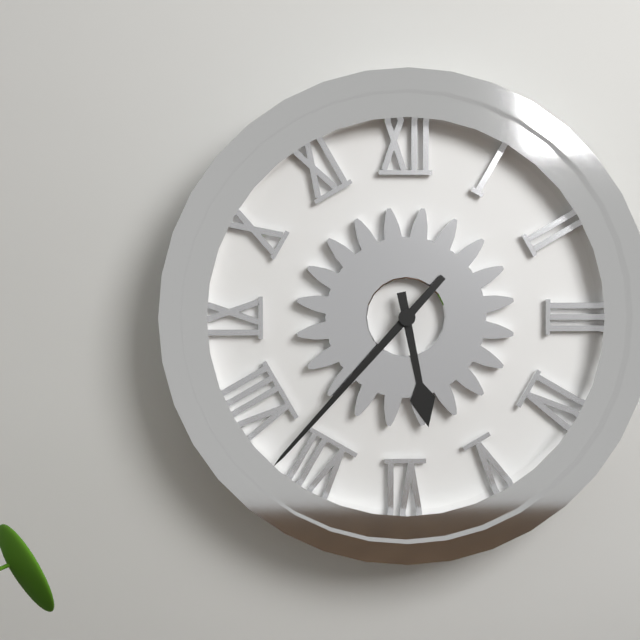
5:37
